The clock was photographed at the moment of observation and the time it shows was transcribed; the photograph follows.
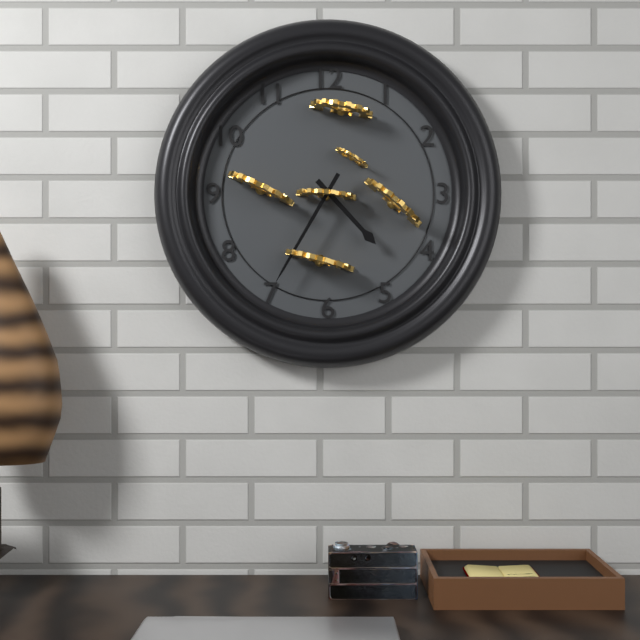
4:35
